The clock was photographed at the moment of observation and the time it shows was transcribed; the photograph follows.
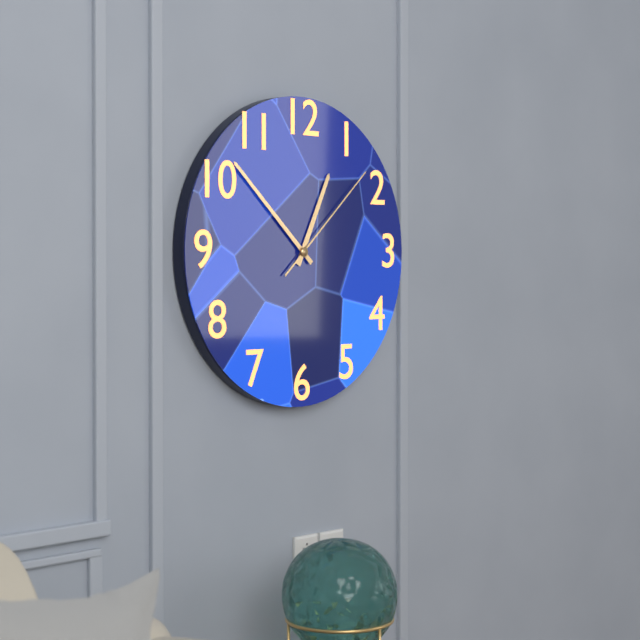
12:52:08
